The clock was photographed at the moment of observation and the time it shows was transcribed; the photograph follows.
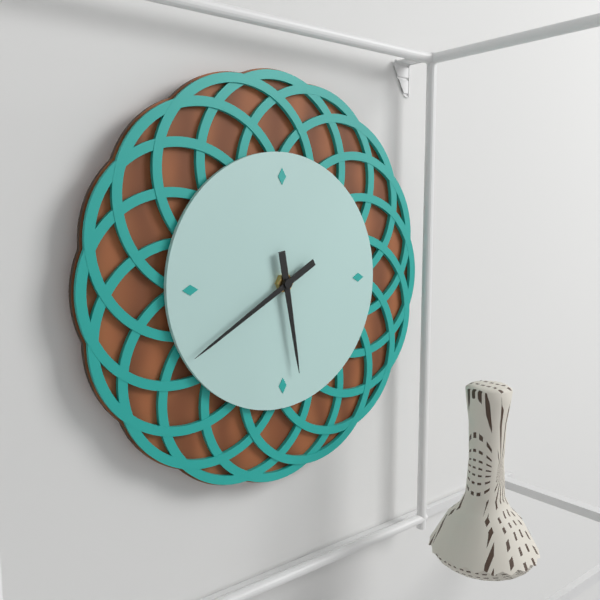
5:40
